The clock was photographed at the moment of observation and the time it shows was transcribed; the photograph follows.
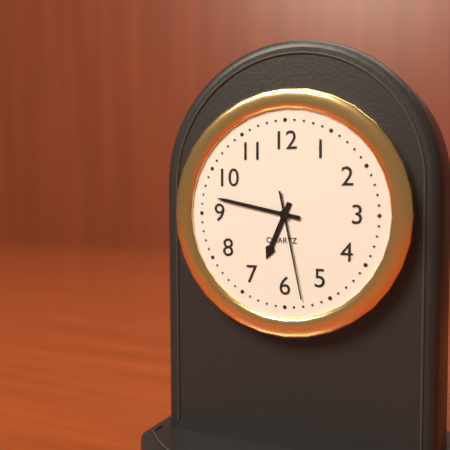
6:47:28
